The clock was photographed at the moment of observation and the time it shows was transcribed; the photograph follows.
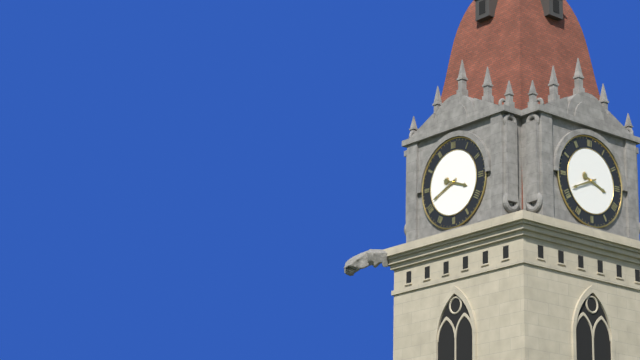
3:41
